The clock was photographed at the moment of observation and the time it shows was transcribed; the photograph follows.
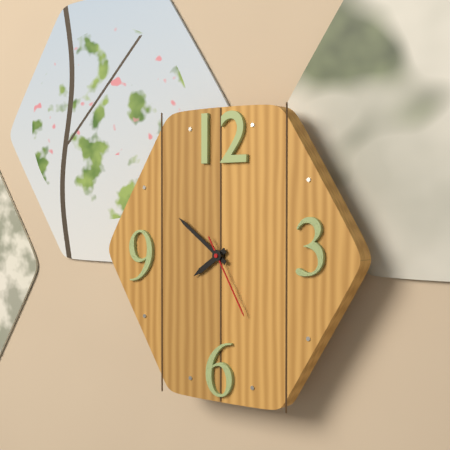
7:51:25
